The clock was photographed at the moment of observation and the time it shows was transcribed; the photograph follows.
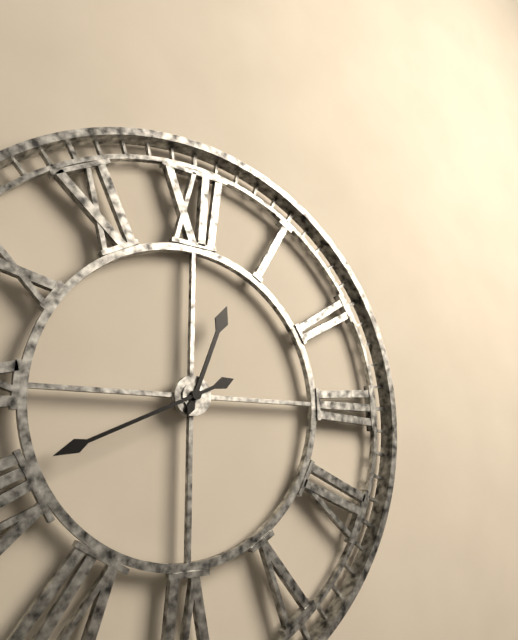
12:41
